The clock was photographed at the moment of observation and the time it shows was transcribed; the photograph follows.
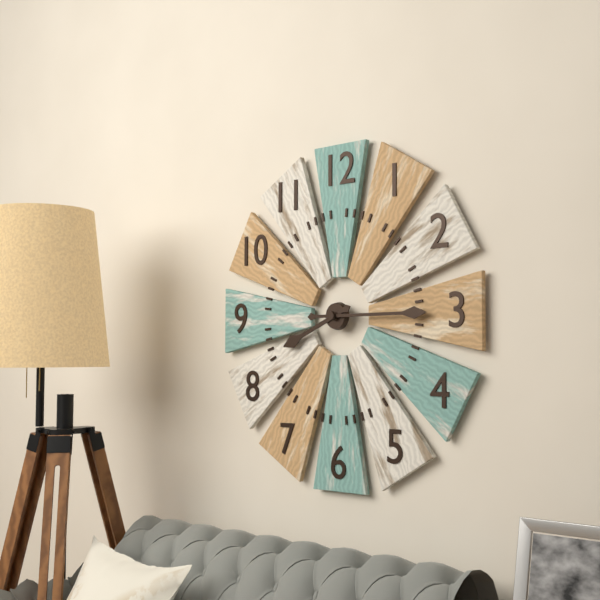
8:15
